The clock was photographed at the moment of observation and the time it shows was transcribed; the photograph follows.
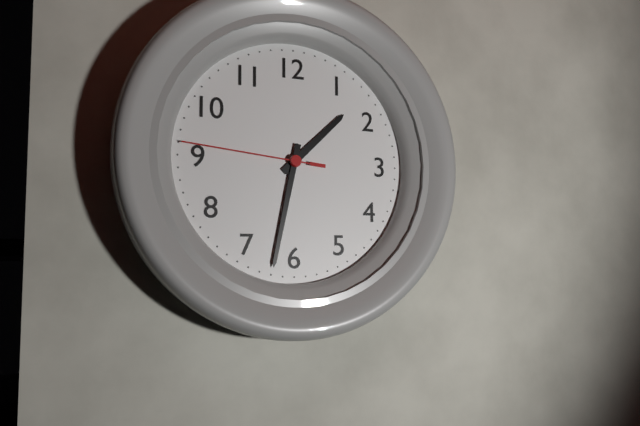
1:32:46
